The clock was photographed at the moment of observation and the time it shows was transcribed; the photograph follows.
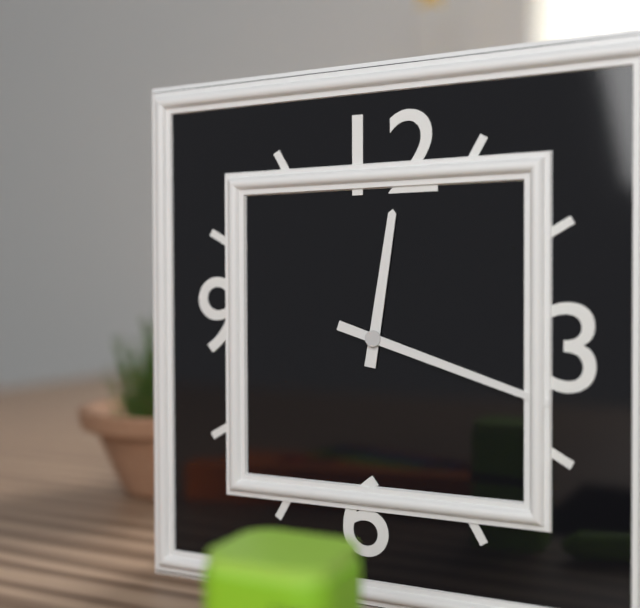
12:18
